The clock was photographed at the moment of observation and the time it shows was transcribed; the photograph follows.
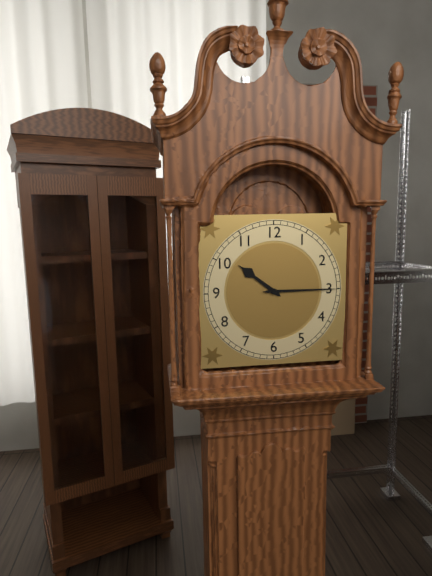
10:15
